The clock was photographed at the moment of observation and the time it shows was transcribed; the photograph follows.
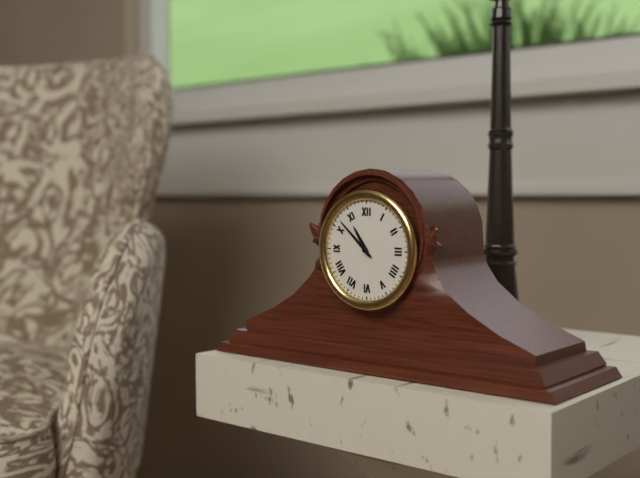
10:52
